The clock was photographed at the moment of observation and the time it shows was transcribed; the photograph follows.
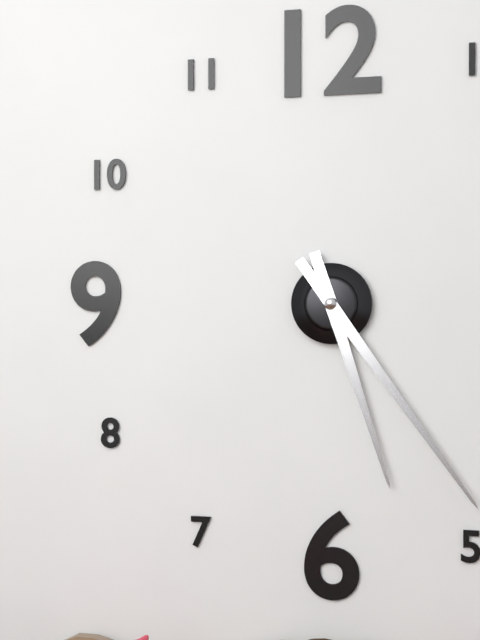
5:24
